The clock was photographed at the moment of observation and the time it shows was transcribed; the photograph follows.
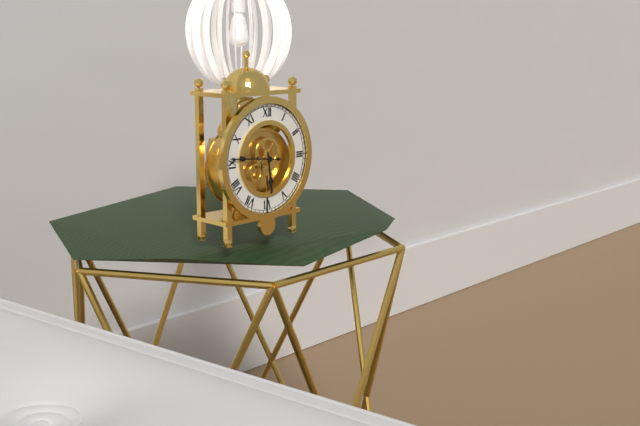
5:46
